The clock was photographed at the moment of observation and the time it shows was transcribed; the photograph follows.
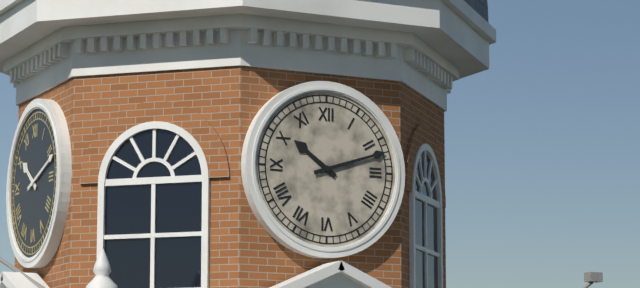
10:12
